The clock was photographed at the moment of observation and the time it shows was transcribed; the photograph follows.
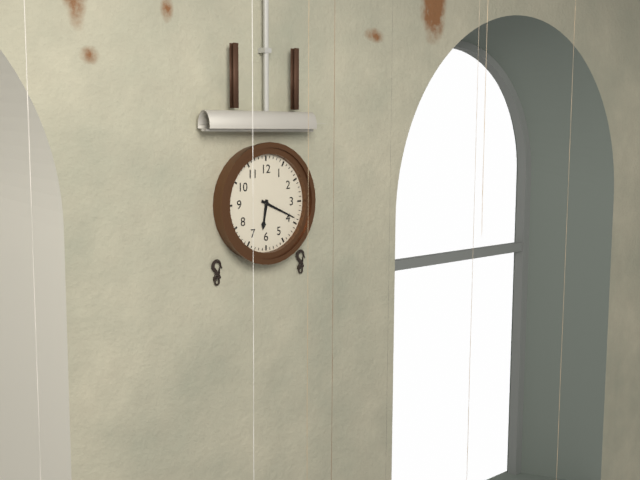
6:19
